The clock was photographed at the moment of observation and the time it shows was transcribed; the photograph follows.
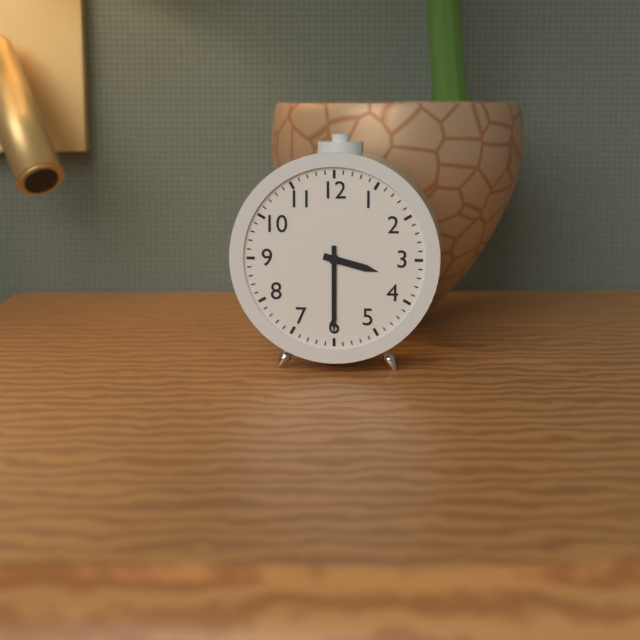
3:30
